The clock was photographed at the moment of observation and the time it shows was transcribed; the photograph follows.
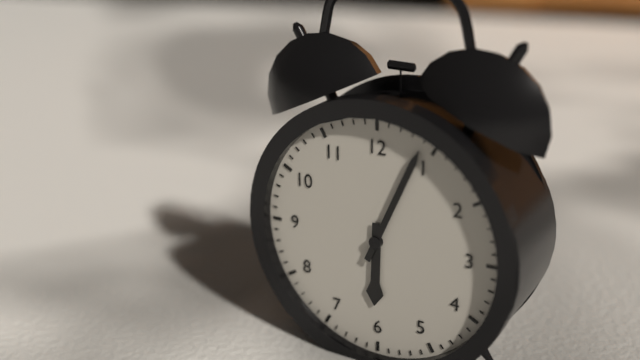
6:04
